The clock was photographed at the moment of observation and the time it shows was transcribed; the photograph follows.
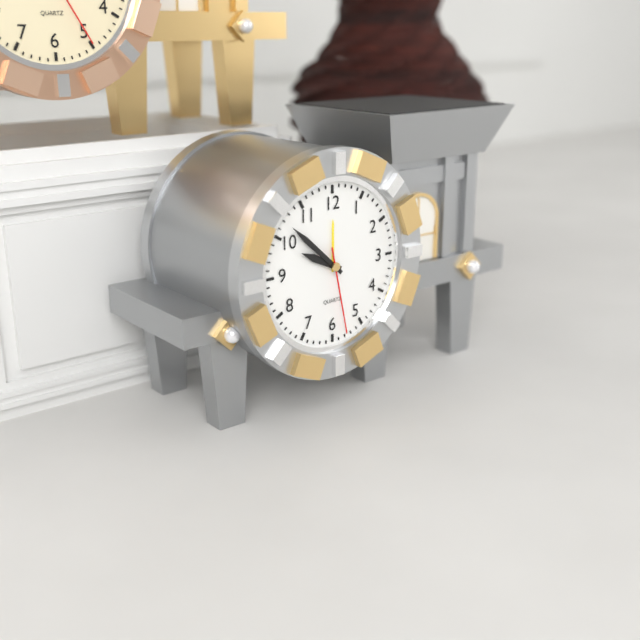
9:52:28
